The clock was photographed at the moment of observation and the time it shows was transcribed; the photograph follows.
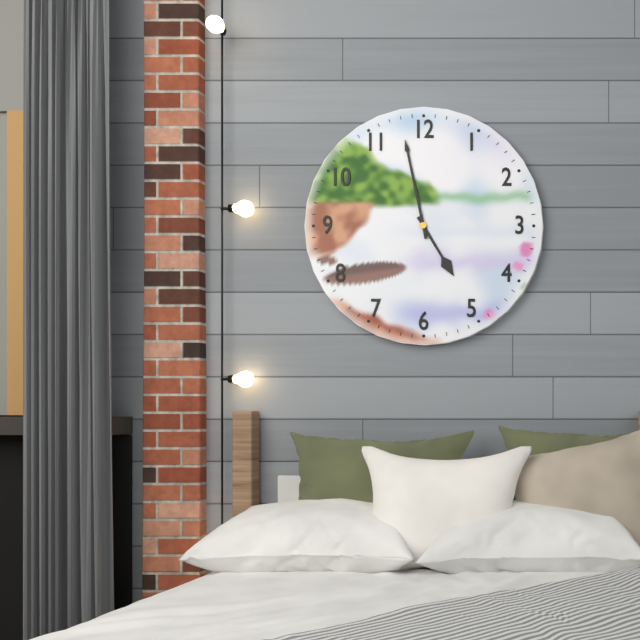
4:58
